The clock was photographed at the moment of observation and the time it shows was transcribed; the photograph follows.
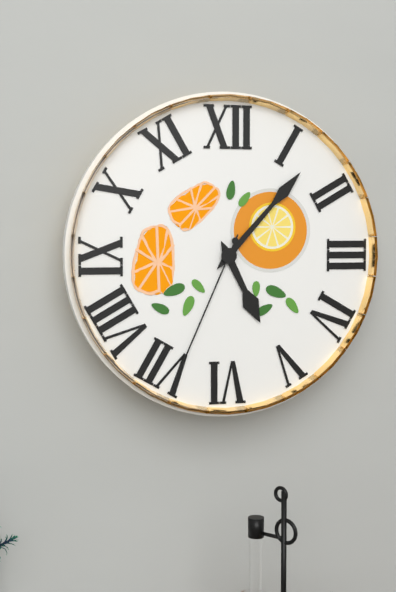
5:07:34
